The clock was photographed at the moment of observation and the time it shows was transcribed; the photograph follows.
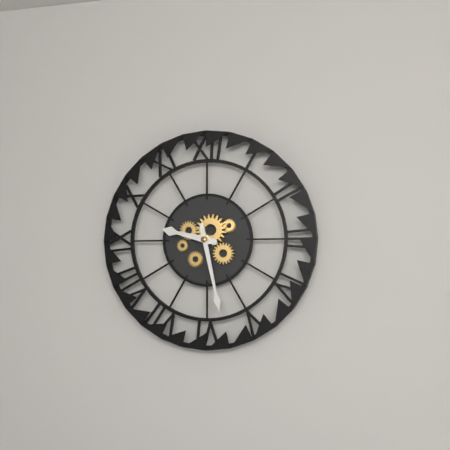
9:28
